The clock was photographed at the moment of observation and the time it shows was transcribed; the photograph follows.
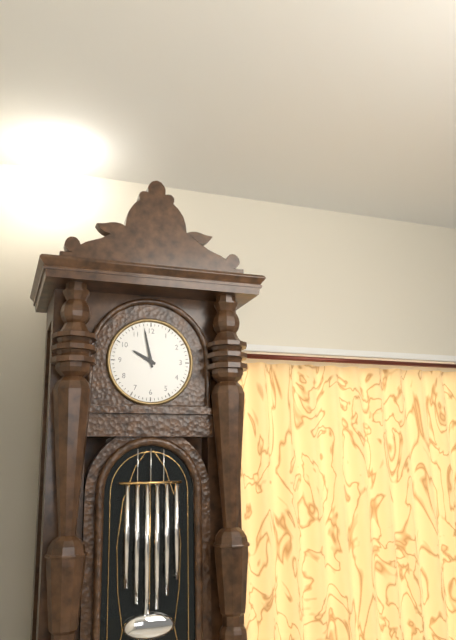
9:58
